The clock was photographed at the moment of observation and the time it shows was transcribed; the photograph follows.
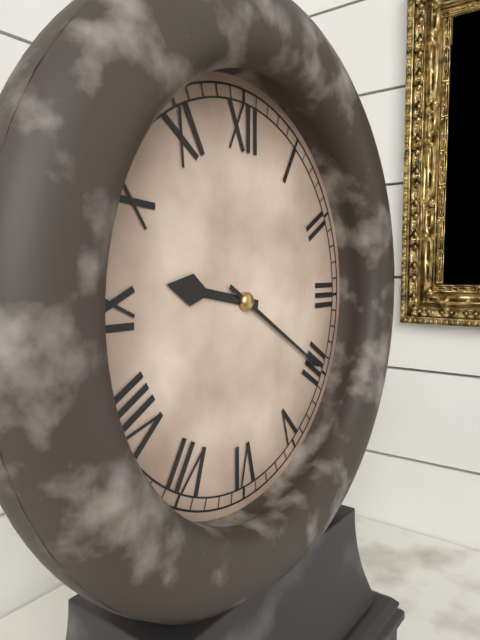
9:20
